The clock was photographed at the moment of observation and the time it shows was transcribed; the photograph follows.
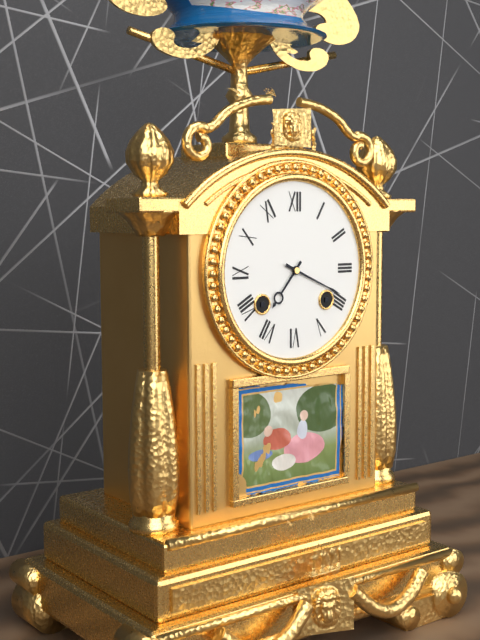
7:19
